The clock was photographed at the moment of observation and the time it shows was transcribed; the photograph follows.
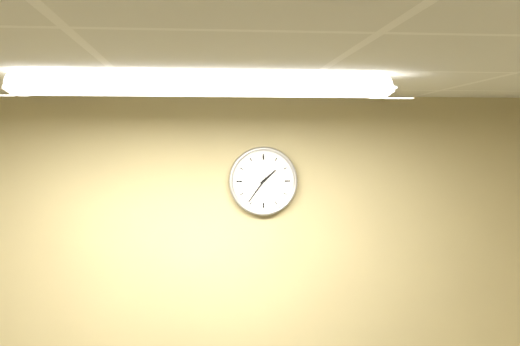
1:36
